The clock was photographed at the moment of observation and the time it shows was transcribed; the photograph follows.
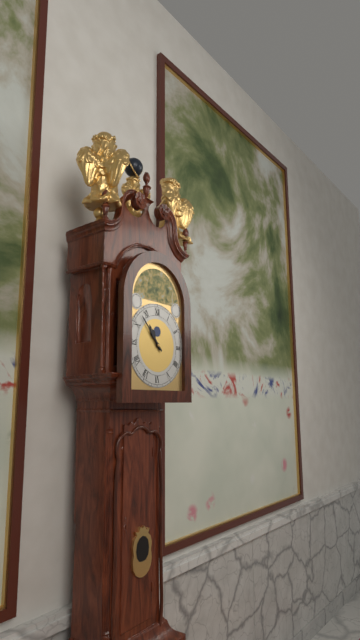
10:53
